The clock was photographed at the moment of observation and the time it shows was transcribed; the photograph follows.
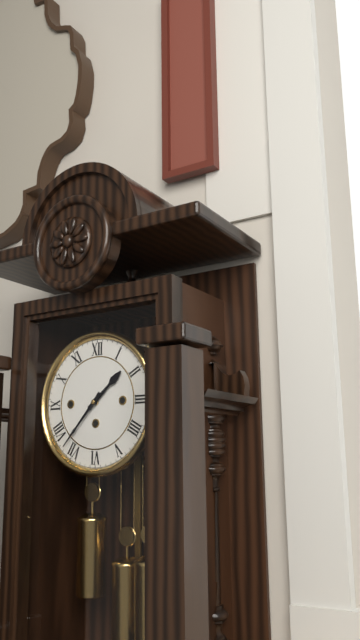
1:37
